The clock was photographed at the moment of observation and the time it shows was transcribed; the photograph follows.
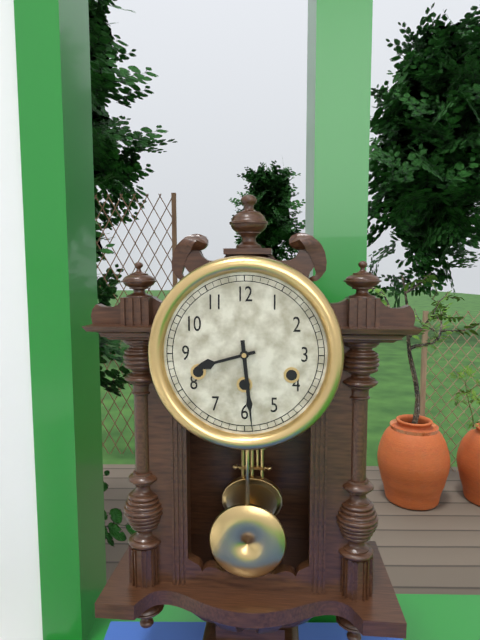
8:29
